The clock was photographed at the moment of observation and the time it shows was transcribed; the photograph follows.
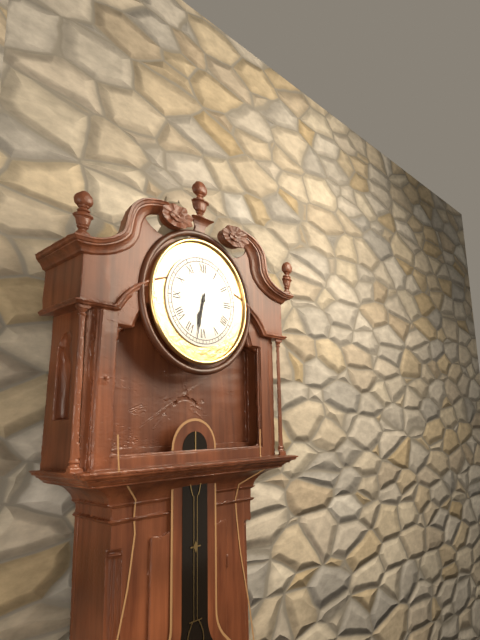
6:32
